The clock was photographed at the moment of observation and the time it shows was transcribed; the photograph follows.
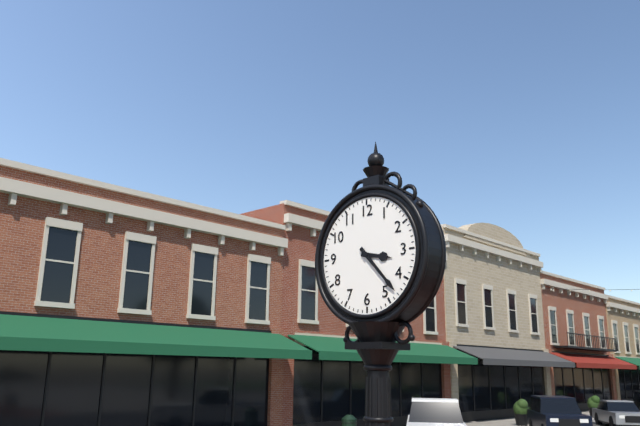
3:23
